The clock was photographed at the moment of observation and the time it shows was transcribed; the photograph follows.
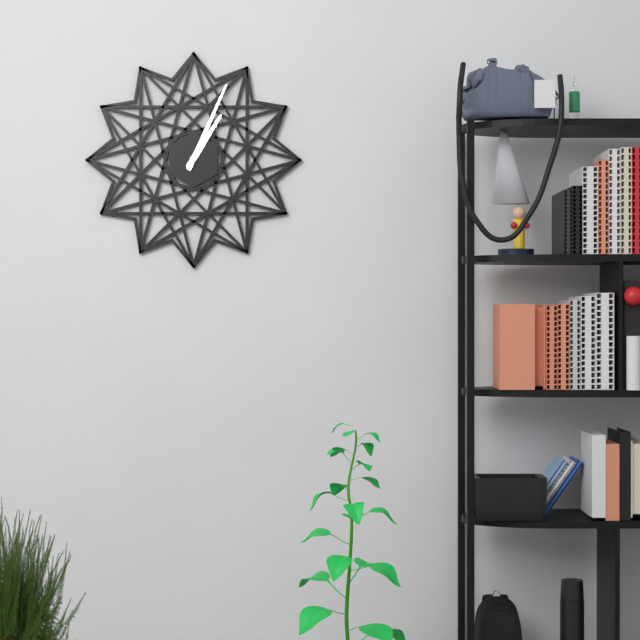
1:04
